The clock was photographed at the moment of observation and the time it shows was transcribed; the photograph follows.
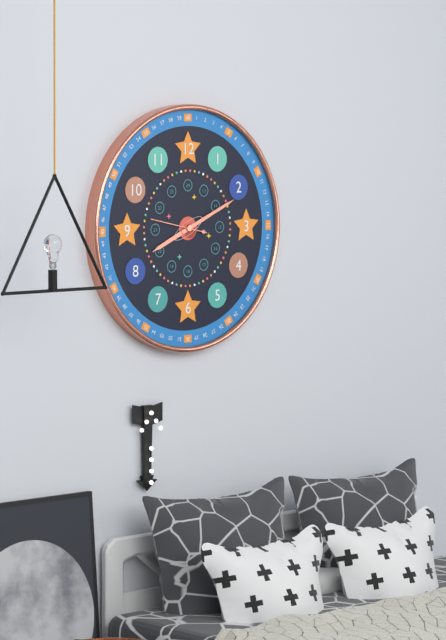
8:11
